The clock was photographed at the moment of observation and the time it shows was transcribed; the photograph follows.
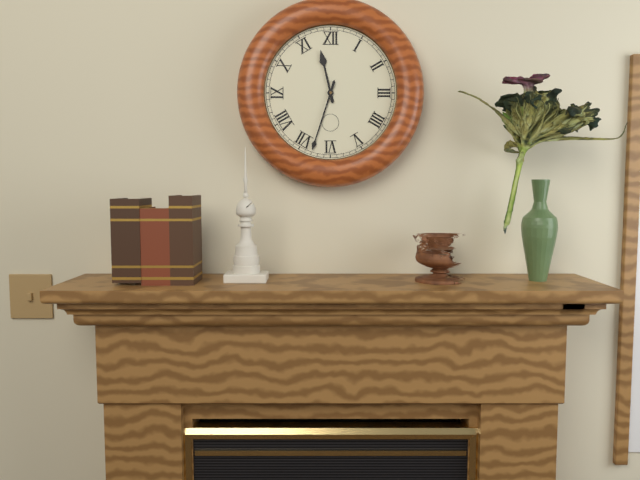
11:33
